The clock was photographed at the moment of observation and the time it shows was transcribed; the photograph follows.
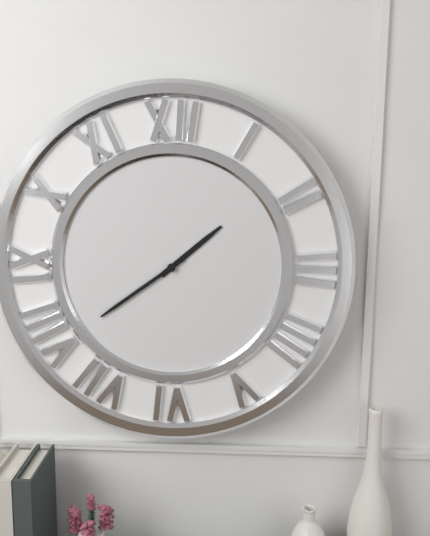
1:39
